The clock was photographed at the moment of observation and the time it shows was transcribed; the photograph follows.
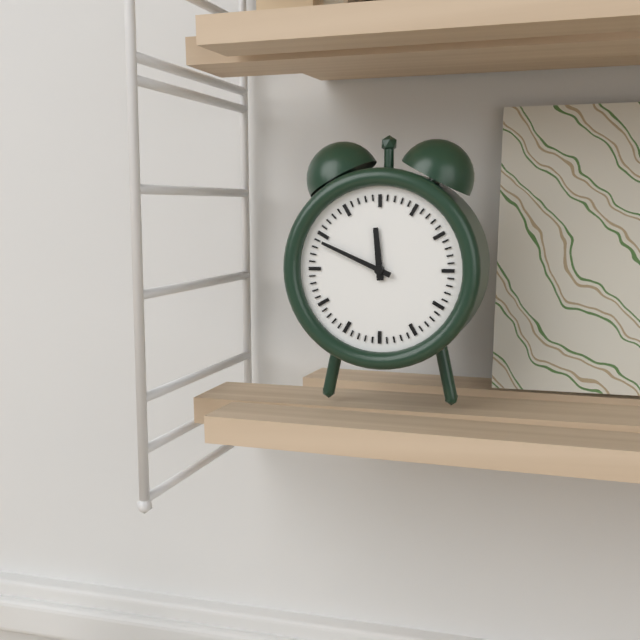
11:49
